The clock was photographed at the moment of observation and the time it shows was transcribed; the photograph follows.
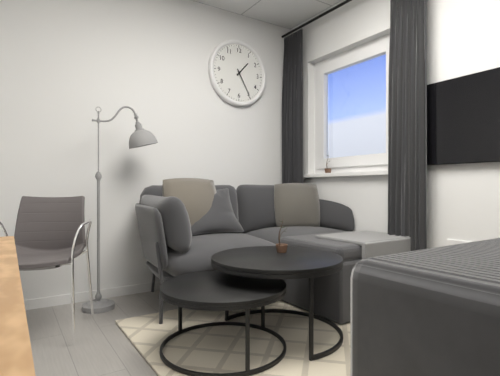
1:25
